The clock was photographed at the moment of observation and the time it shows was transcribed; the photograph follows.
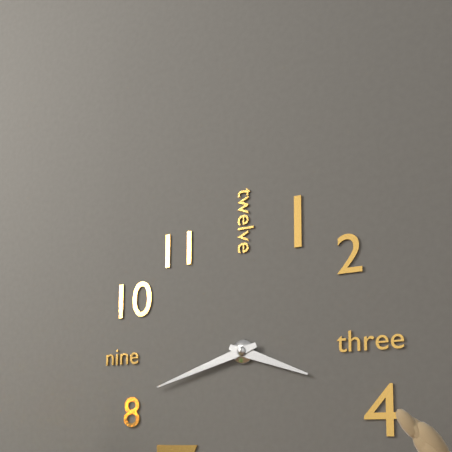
3:42
